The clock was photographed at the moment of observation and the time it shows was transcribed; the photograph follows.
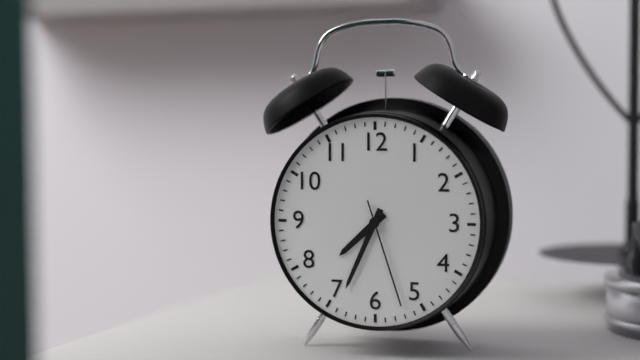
7:34:27
